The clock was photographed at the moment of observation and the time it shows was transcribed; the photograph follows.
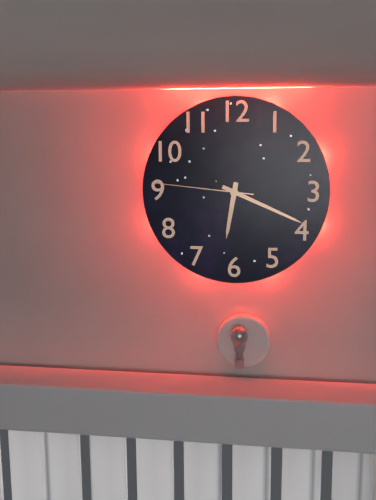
6:19:46
